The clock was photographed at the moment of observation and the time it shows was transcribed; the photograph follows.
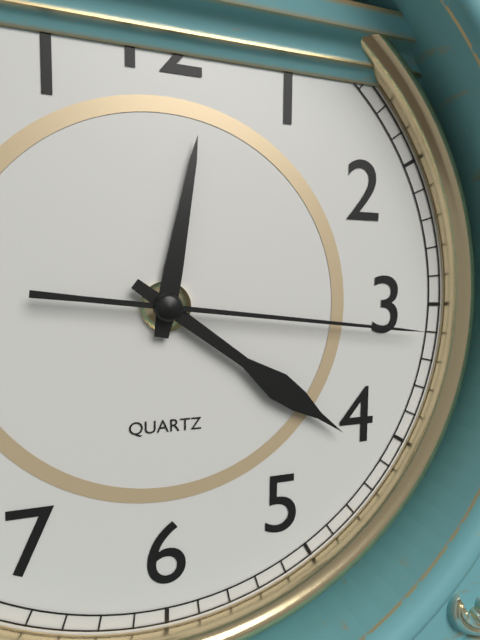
12:21:16
